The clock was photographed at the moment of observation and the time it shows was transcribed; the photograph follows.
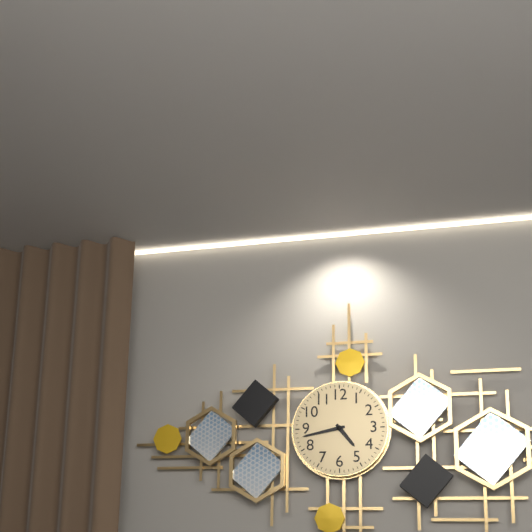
4:43
